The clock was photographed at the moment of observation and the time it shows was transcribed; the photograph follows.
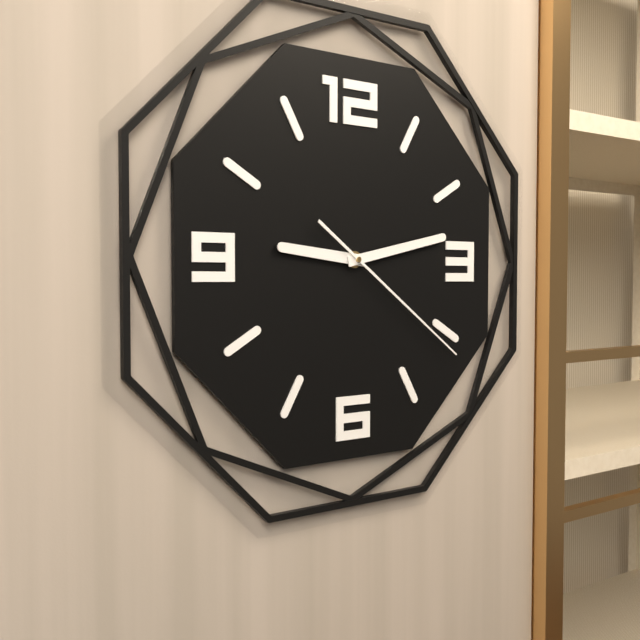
9:13:21
